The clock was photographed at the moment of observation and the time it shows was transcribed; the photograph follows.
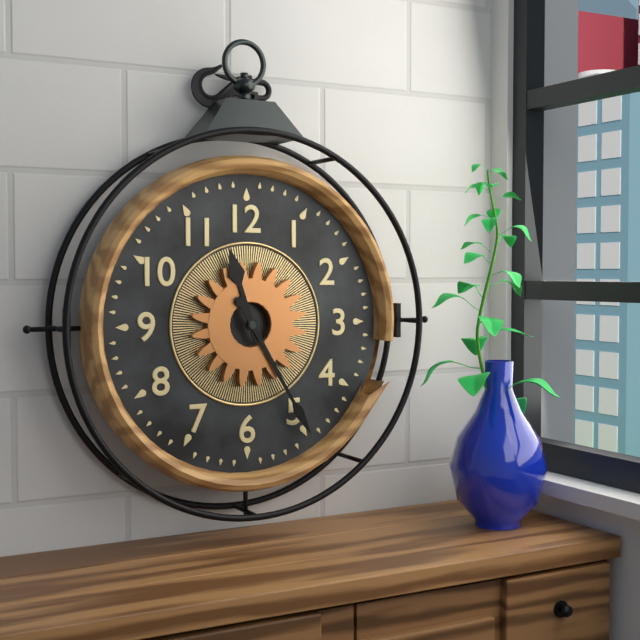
11:25
